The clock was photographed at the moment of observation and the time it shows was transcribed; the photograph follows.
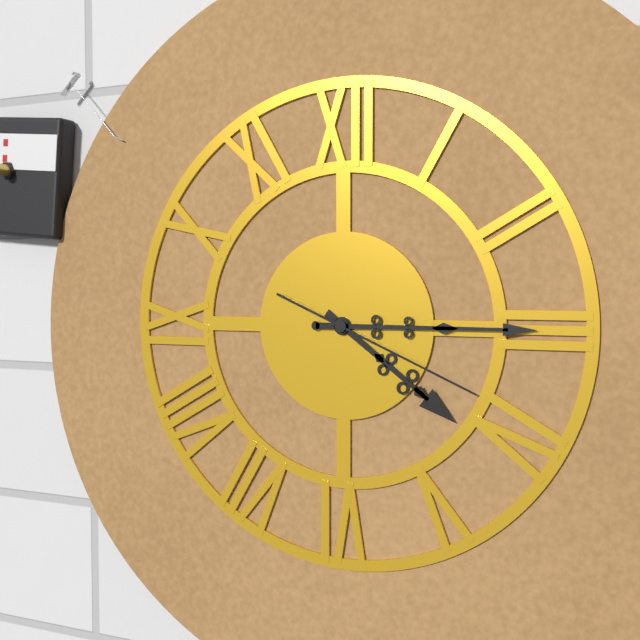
4:15:19
